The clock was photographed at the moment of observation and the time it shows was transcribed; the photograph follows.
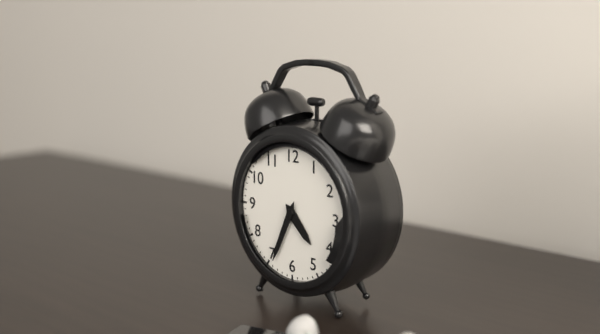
4:34
